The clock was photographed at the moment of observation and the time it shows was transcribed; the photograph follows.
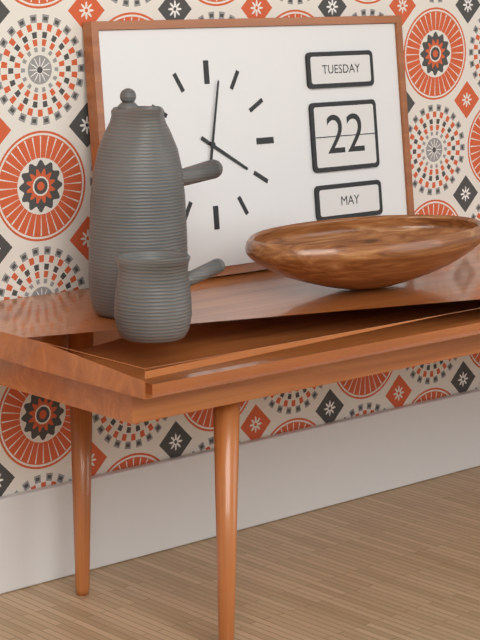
4:02
